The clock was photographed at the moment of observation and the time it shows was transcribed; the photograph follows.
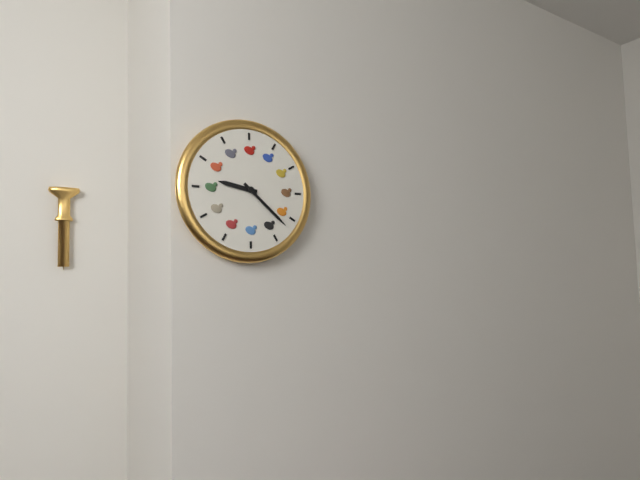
9:22
